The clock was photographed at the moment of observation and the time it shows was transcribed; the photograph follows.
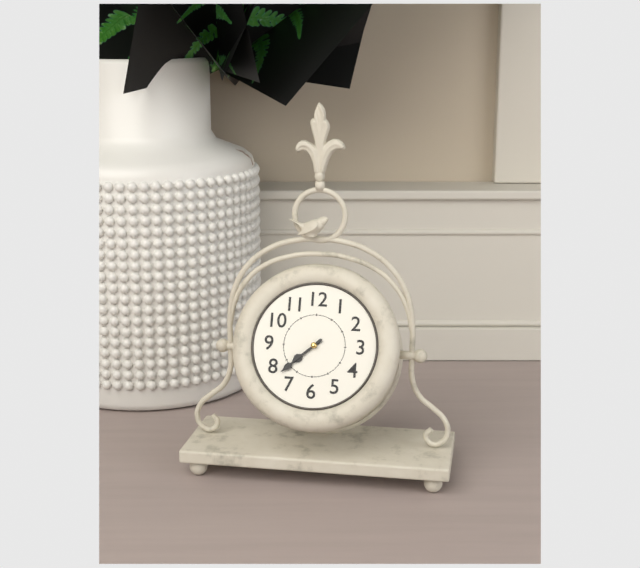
7:38
